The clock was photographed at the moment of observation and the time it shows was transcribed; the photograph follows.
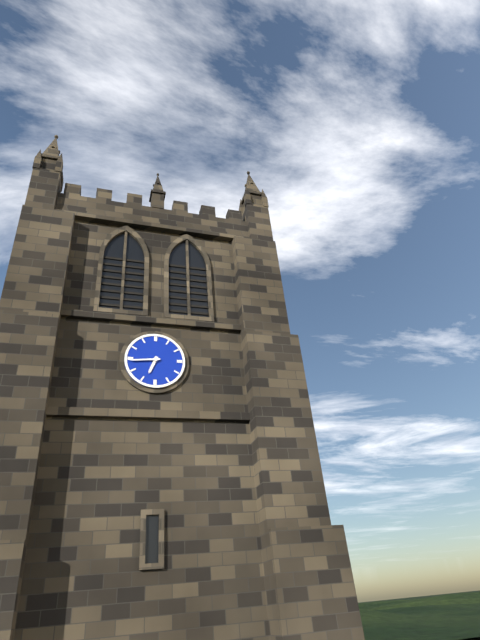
6:44
